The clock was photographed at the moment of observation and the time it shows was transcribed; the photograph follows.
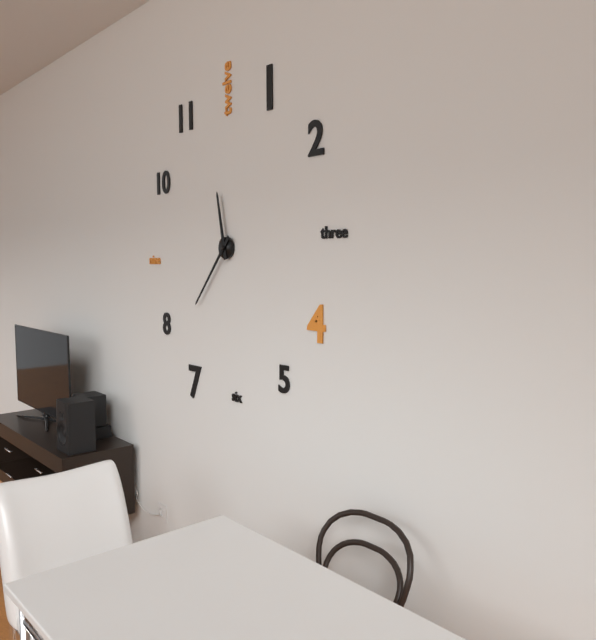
11:37
